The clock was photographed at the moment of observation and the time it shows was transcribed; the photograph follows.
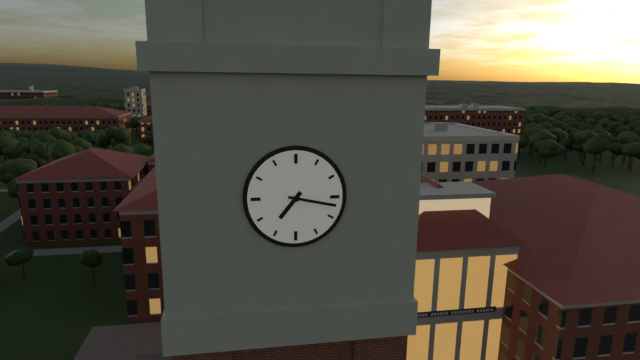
7:17
